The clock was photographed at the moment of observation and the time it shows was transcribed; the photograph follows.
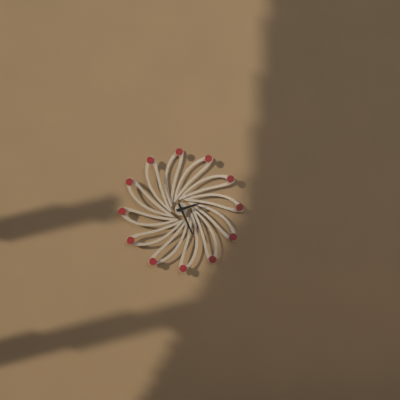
2:26
